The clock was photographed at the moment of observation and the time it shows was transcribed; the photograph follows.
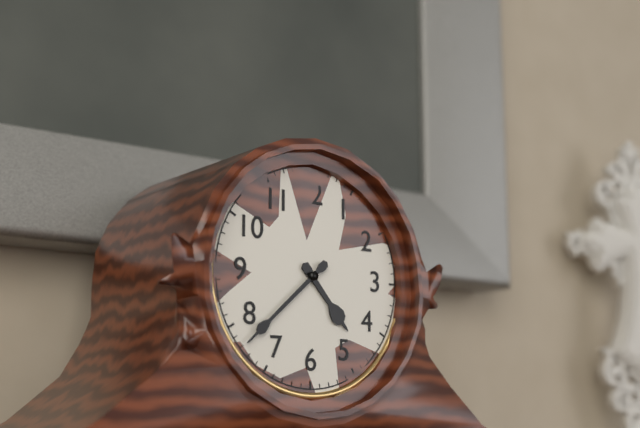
4:38
